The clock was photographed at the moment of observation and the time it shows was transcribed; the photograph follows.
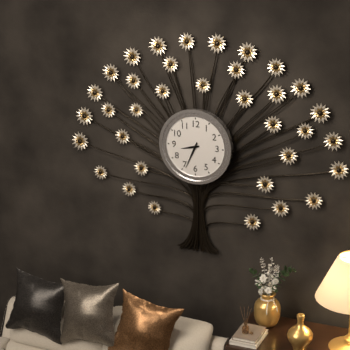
8:34
